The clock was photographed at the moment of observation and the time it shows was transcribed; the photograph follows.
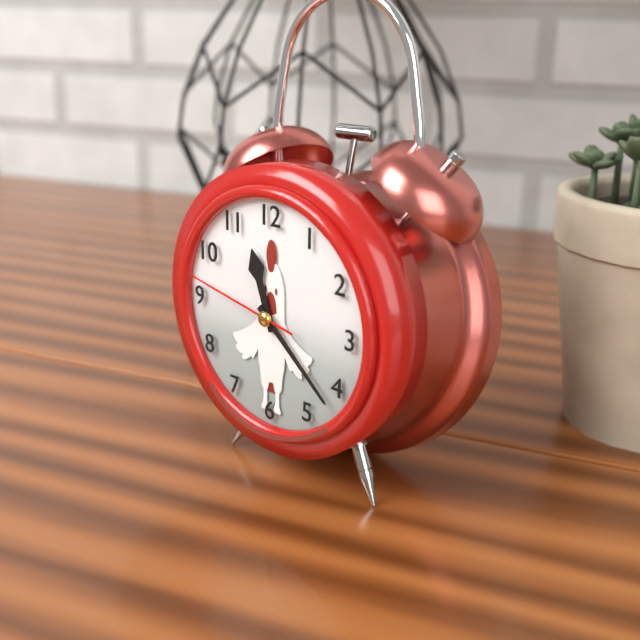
11:22:47
